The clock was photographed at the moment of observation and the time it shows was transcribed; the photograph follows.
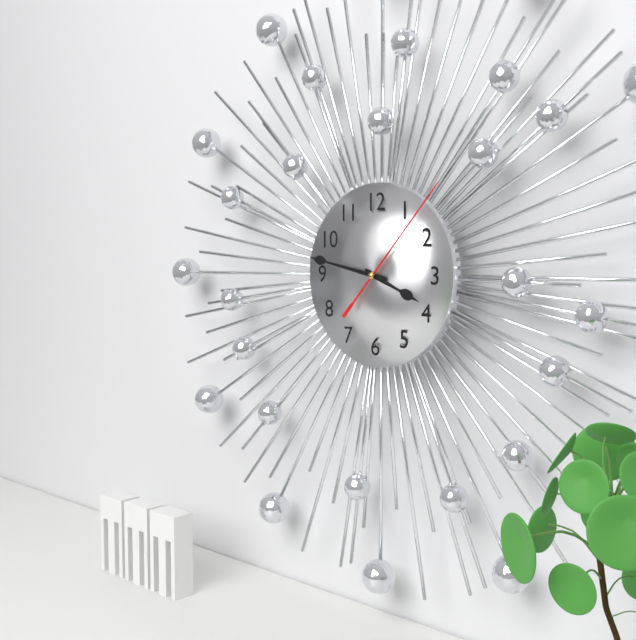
3:47:07
